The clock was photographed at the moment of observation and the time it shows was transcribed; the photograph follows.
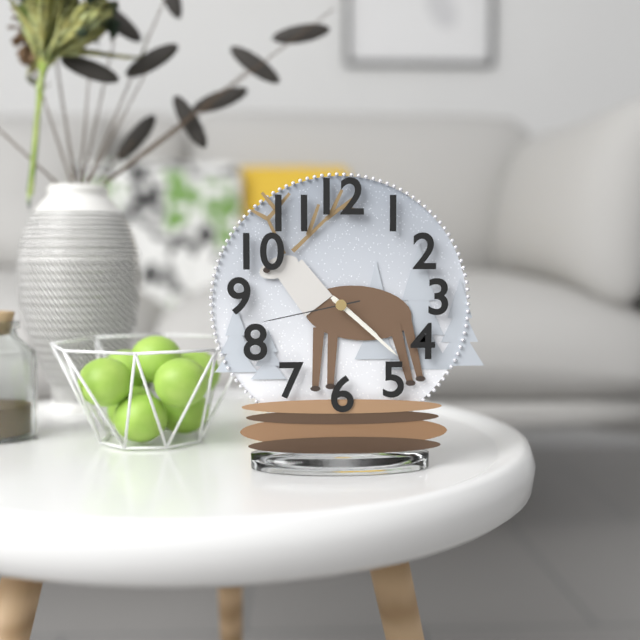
4:22:43
